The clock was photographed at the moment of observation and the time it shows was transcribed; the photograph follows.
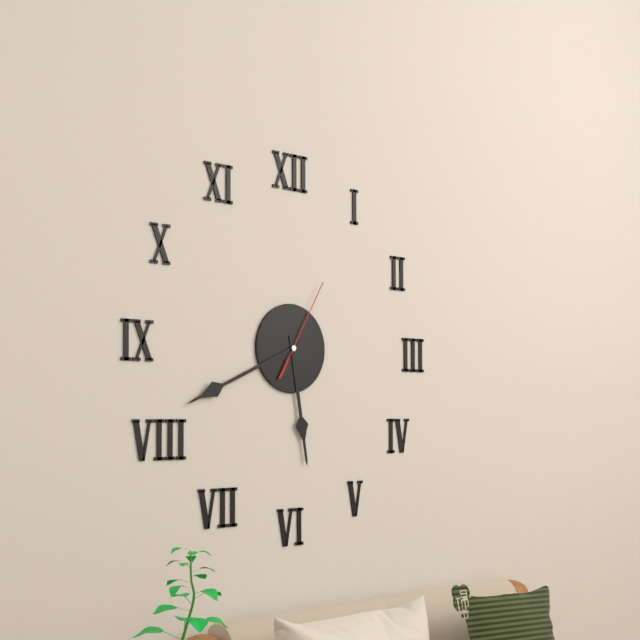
5:41:05
